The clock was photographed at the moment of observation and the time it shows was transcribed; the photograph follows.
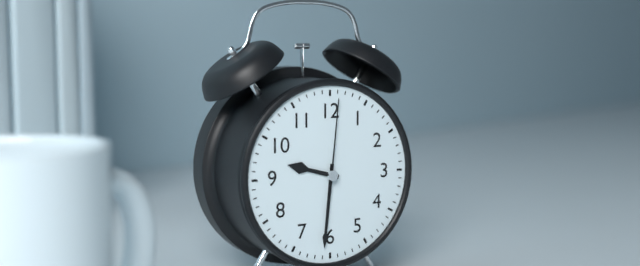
9:31:01
